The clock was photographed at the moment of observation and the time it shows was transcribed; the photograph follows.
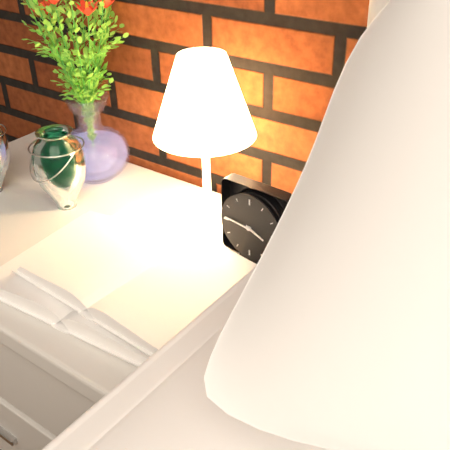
3:46
